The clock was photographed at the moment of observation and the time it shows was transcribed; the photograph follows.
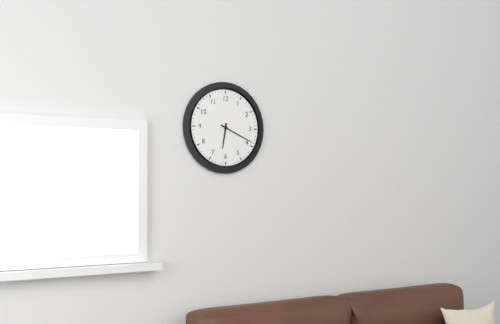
6:19
